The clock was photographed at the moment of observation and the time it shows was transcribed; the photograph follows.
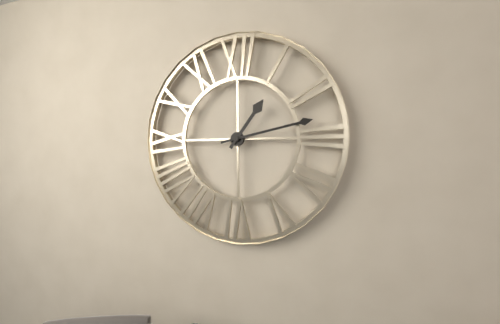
1:13
